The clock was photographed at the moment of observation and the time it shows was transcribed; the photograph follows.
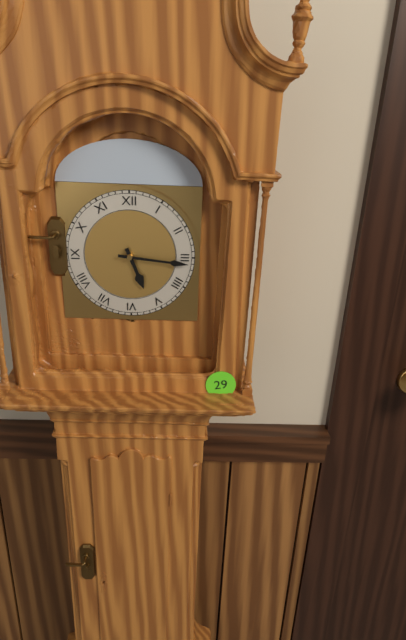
5:16
